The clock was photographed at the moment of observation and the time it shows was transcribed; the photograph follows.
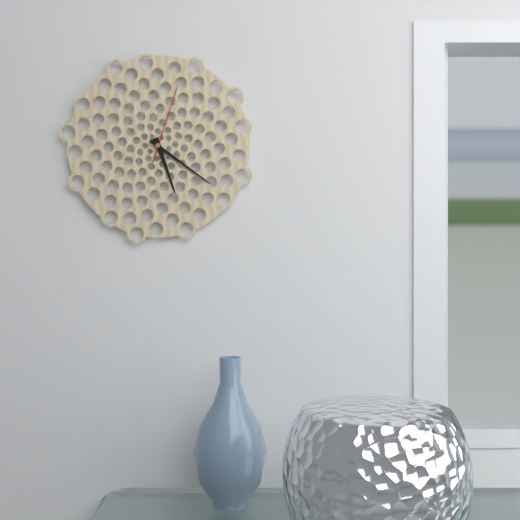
5:21:03
